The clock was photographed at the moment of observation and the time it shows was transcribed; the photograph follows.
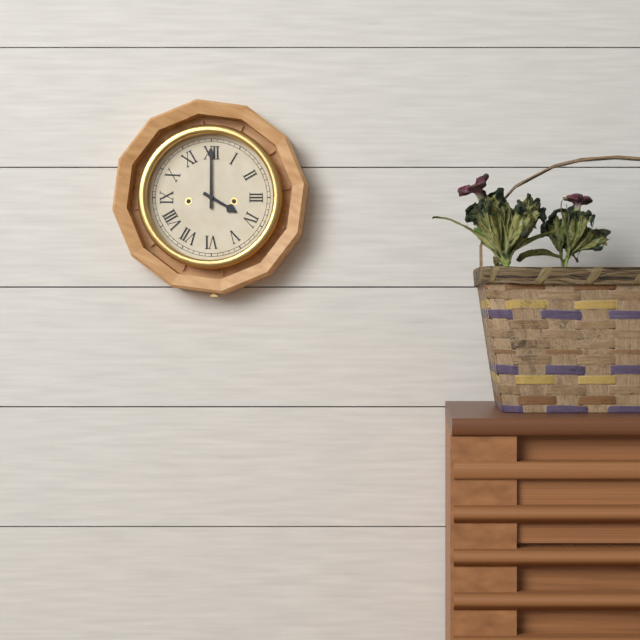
4:00
